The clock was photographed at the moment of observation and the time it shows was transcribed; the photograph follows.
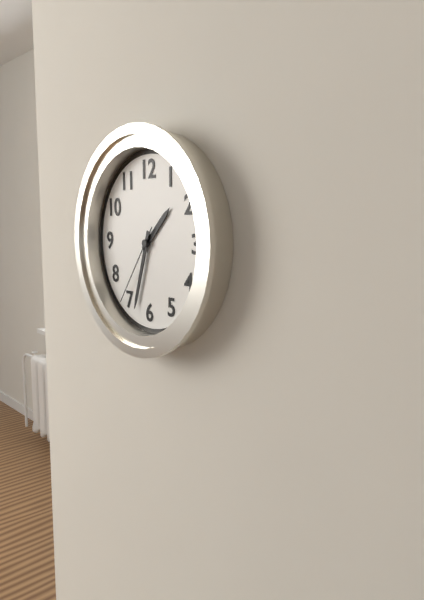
1:33:36
